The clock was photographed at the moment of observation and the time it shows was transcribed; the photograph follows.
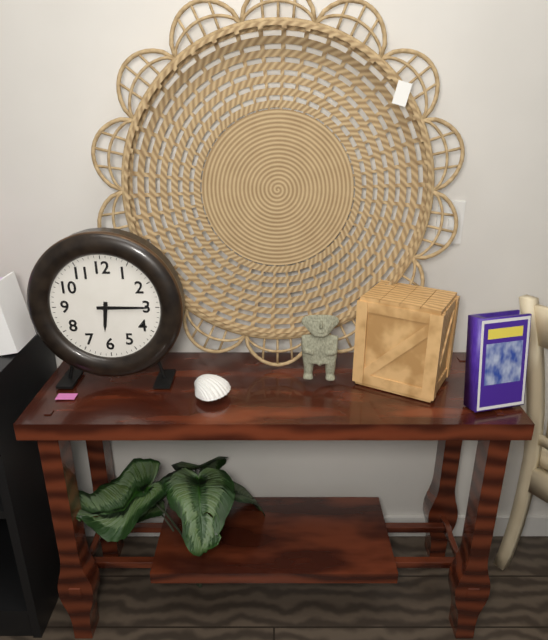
6:15
